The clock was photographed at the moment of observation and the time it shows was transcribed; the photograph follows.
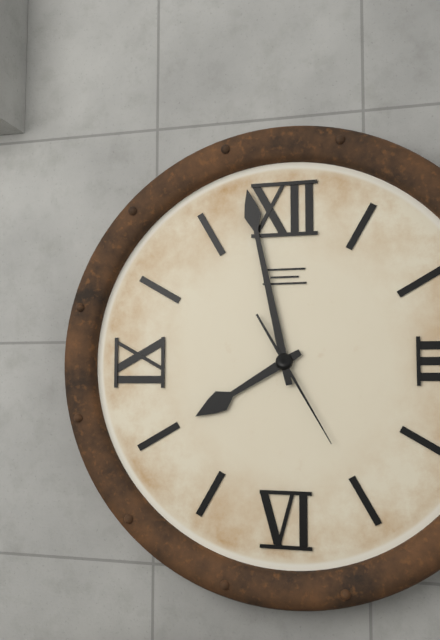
7:58:25
